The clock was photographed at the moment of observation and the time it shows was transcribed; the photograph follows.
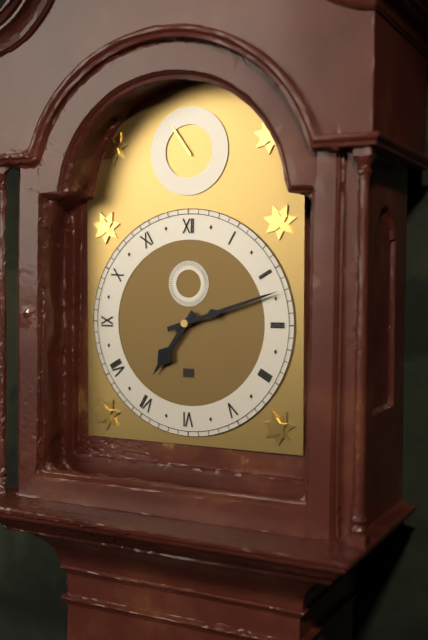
7:12
